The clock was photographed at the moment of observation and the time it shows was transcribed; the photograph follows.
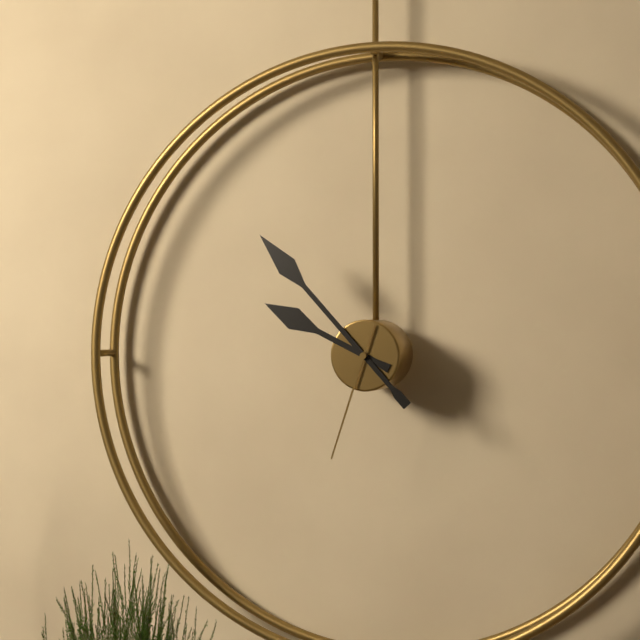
9:53:33
